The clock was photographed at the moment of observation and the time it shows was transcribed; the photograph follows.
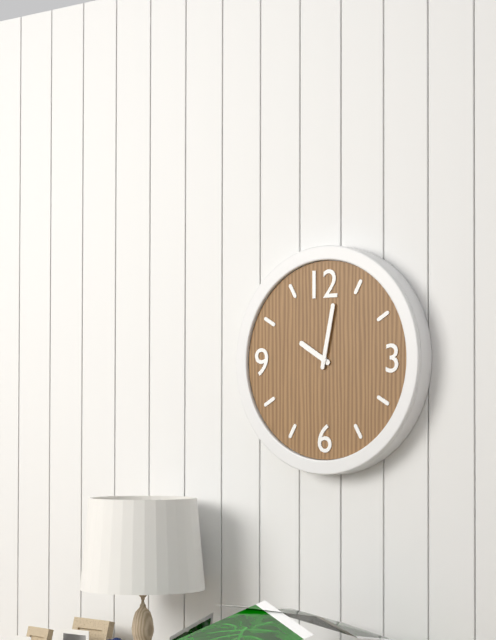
10:02
